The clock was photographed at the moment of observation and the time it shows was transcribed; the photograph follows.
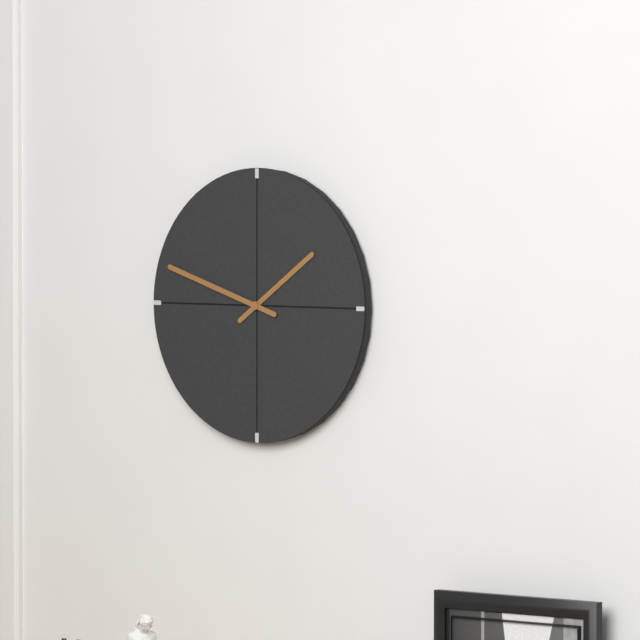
1:48
